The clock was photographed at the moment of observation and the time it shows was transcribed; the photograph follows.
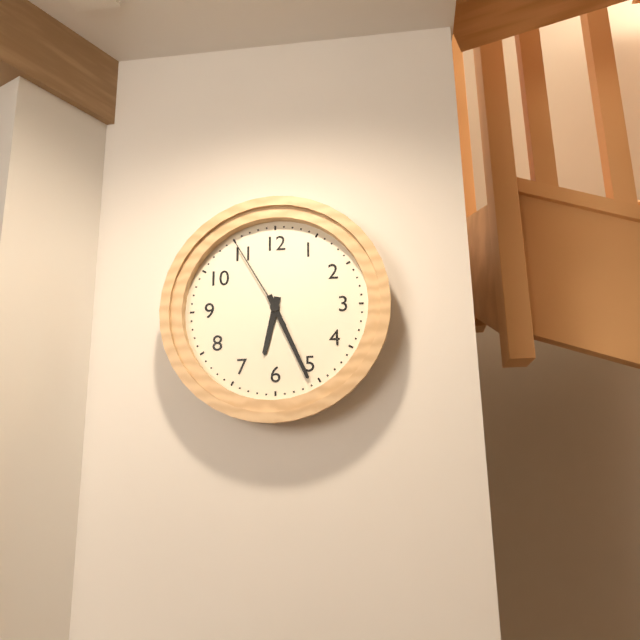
6:26:55
